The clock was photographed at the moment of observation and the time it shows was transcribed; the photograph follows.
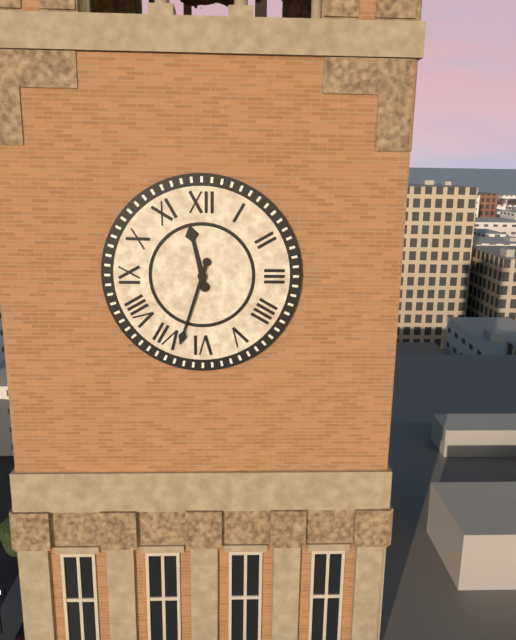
11:33
